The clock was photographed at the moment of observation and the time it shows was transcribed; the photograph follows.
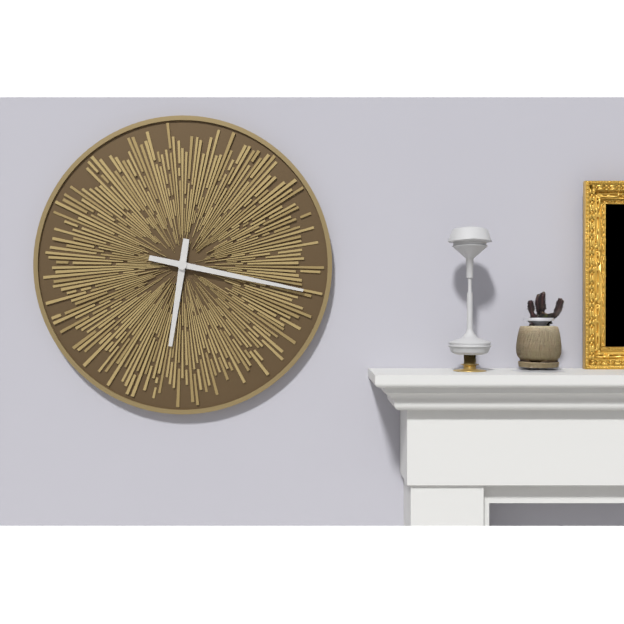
6:17
